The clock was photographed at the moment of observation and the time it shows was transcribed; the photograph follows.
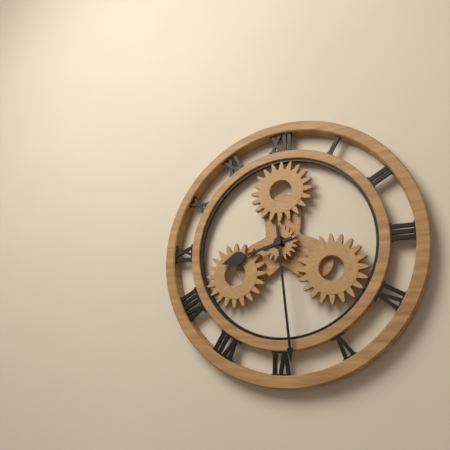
8:29
